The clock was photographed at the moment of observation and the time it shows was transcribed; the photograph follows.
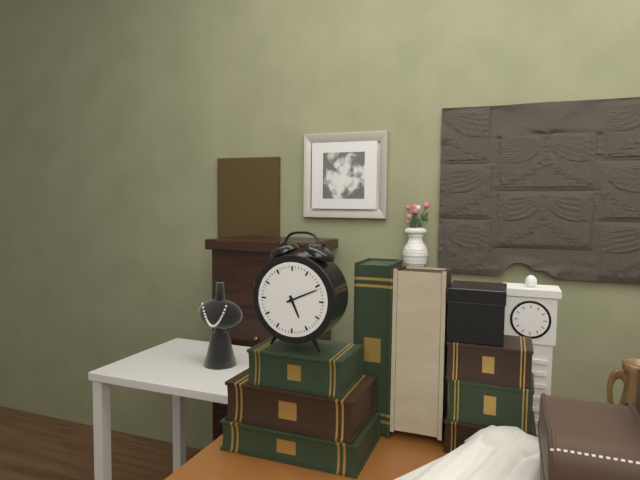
5:11
